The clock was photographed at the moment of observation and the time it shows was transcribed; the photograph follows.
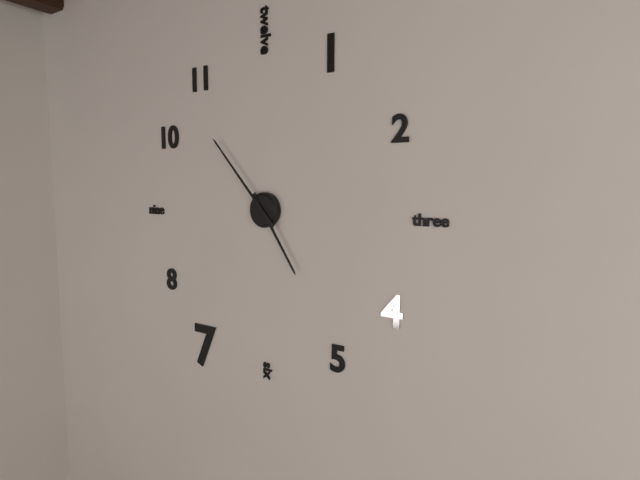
4:53
